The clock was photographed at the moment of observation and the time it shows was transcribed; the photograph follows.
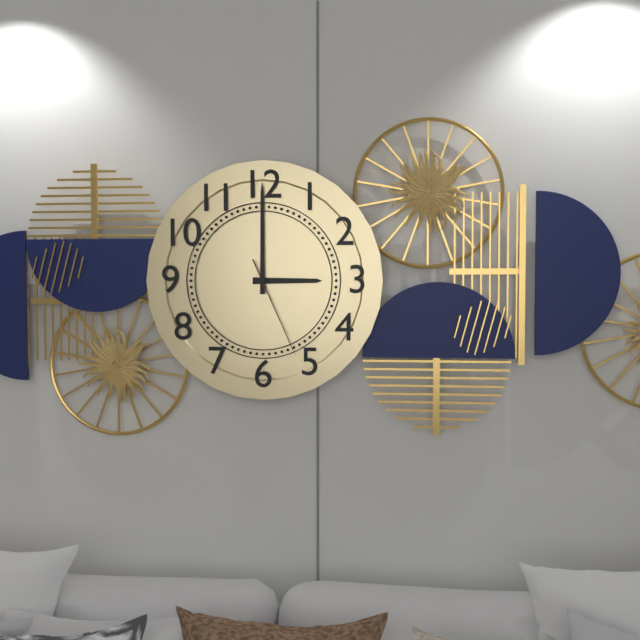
3:00:26
